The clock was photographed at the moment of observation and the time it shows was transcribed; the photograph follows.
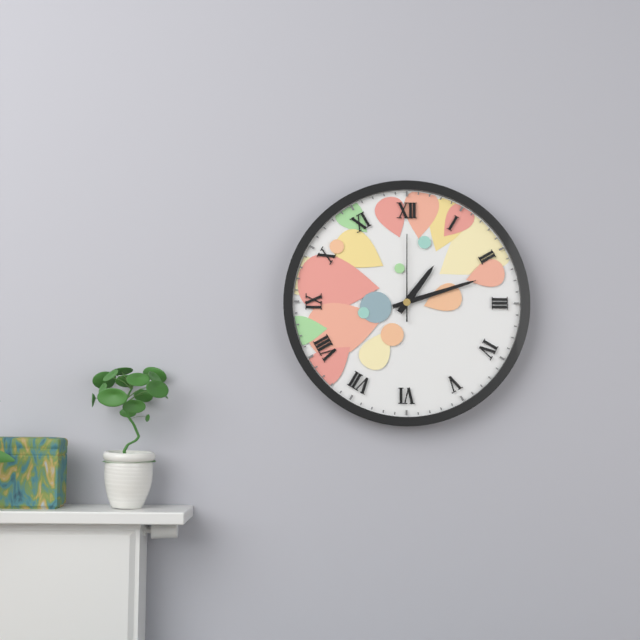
1:12:00
